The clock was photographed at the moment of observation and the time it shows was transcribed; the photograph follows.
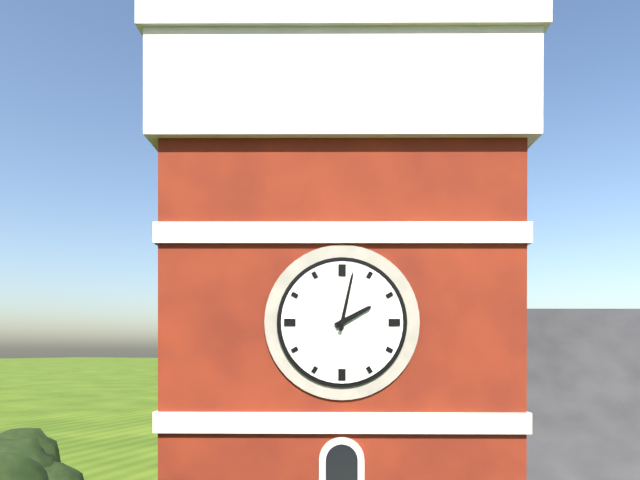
2:02
